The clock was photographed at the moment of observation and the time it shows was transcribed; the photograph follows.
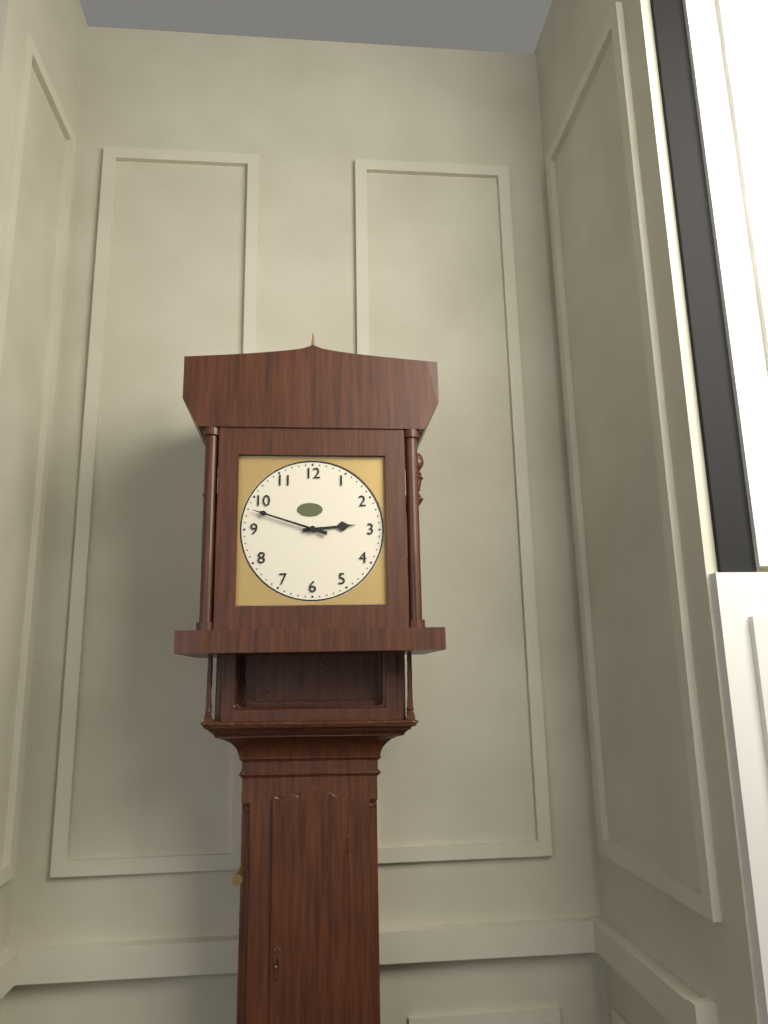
2:48
